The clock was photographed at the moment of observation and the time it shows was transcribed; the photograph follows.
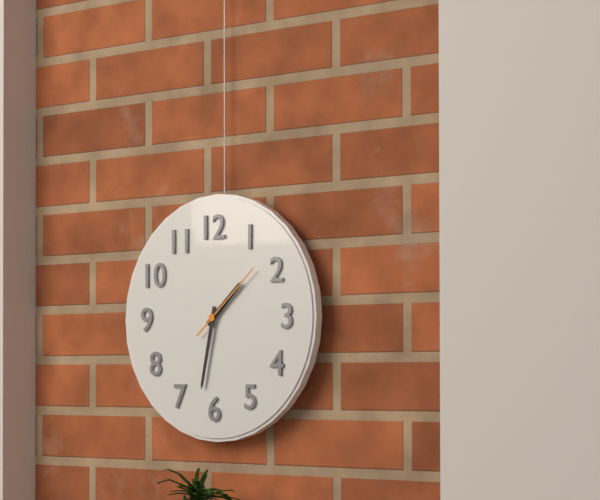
1:32:08
